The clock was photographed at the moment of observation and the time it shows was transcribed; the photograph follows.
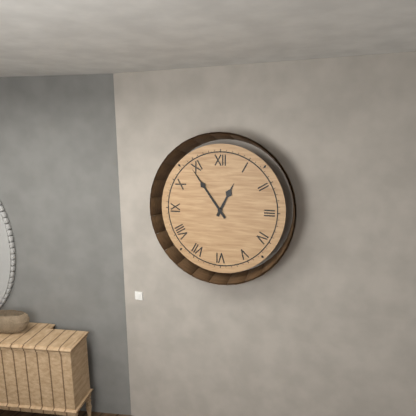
12:54
